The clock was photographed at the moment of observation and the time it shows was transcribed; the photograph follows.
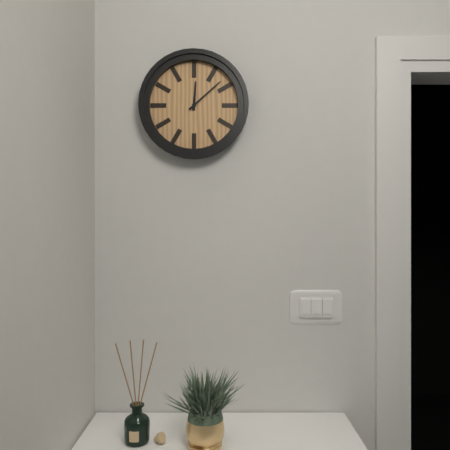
12:08
